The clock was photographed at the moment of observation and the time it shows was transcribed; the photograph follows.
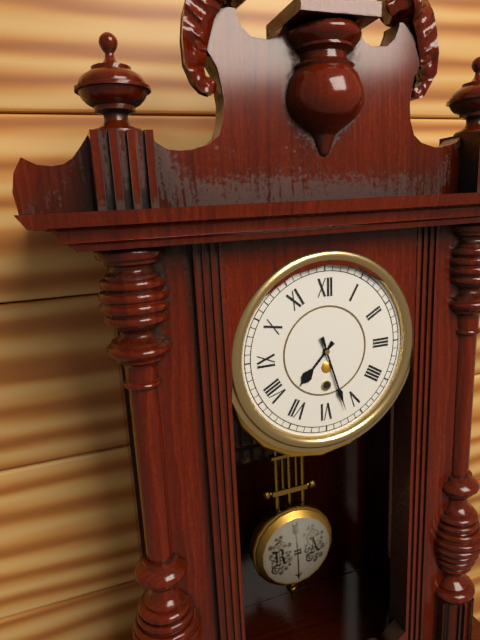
7:27
